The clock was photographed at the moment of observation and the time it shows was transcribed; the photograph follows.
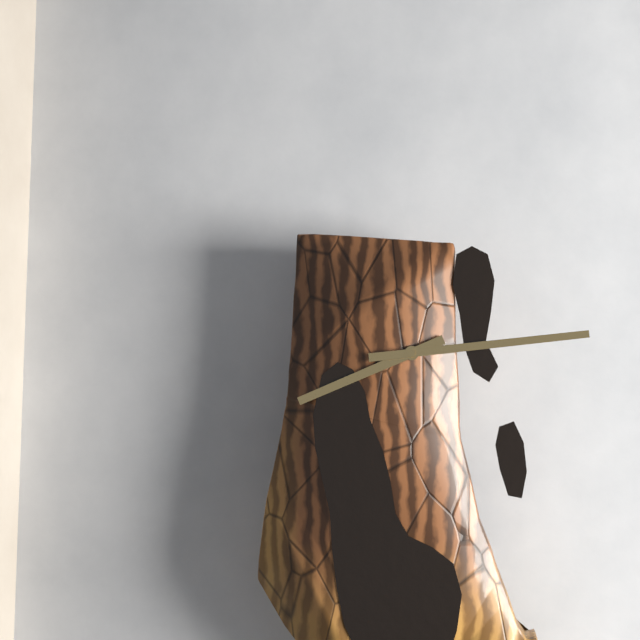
8:14
